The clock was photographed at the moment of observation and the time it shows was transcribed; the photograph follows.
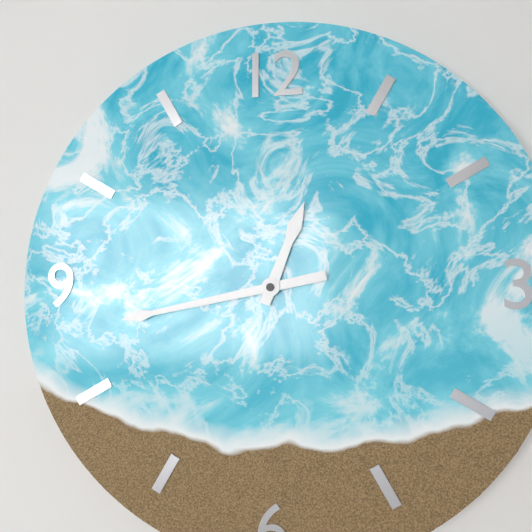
12:43
